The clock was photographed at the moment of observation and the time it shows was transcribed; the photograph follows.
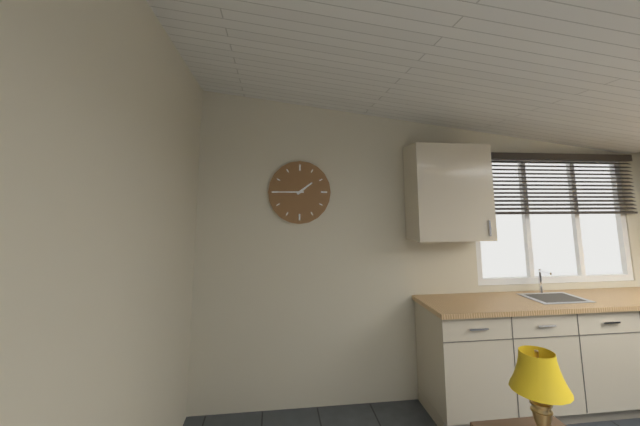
1:45
